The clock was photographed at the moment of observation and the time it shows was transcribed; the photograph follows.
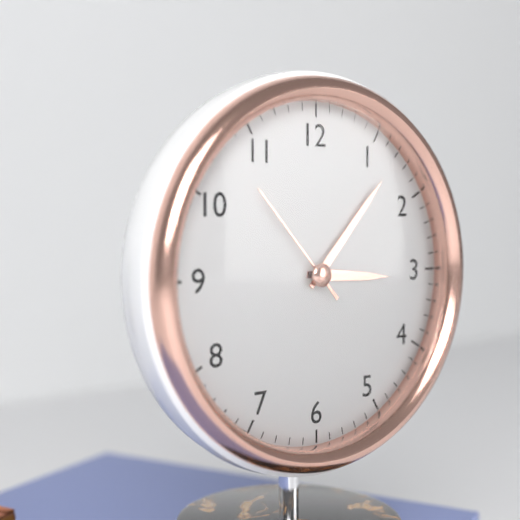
3:07:53
